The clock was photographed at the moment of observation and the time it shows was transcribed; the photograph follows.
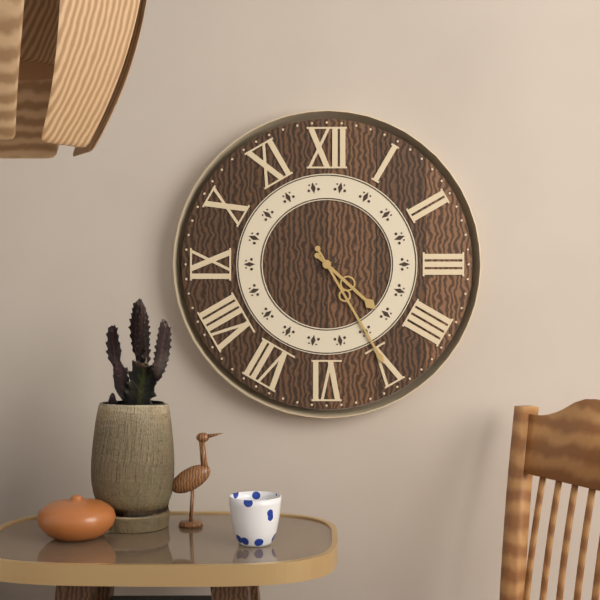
4:25
